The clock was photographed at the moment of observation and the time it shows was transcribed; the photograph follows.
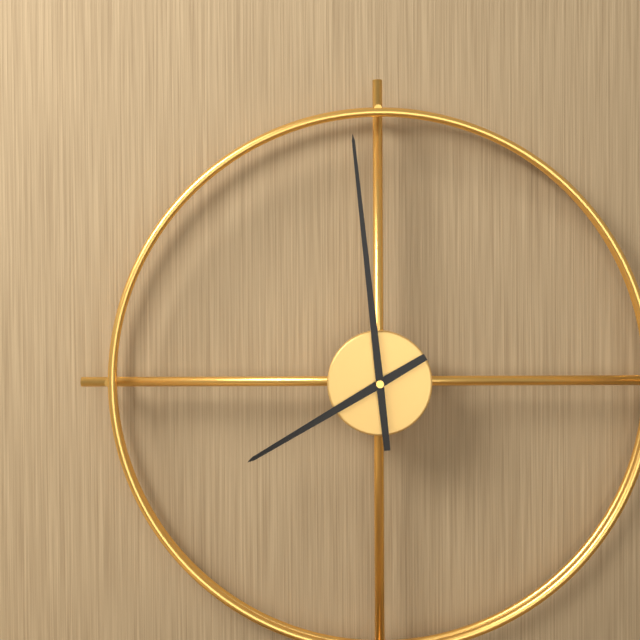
7:59
